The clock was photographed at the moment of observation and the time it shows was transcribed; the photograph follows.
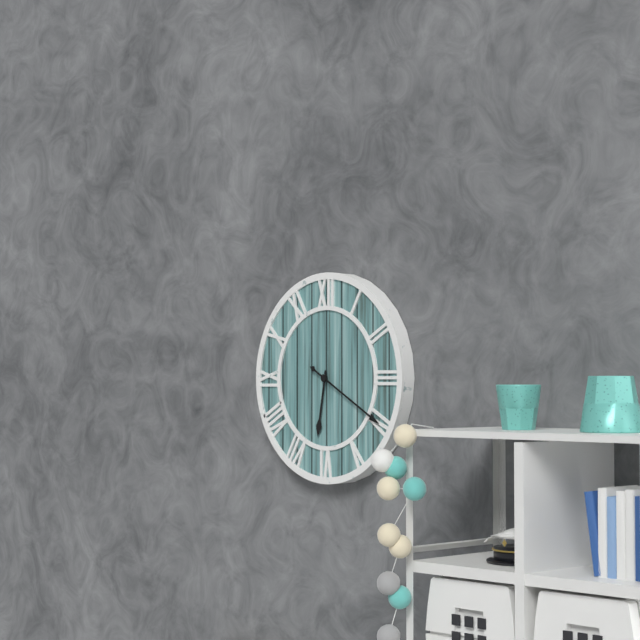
6:20
